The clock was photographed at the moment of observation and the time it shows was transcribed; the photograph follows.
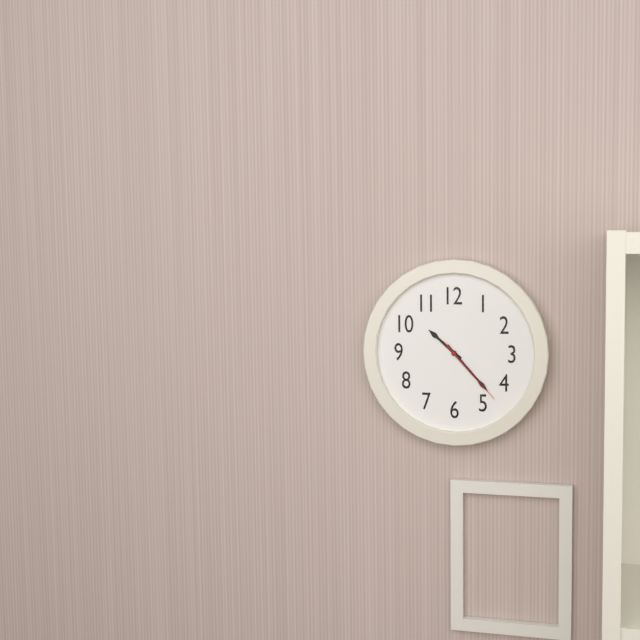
10:23:23
